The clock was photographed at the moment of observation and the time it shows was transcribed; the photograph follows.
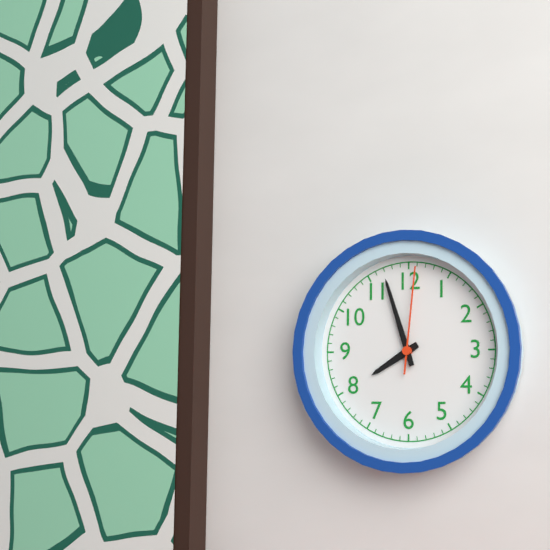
7:57:01
